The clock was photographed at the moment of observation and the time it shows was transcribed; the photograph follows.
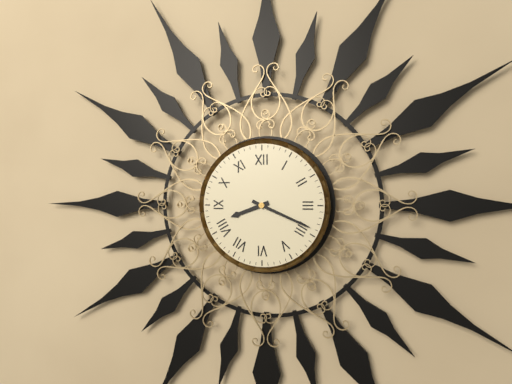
8:19
